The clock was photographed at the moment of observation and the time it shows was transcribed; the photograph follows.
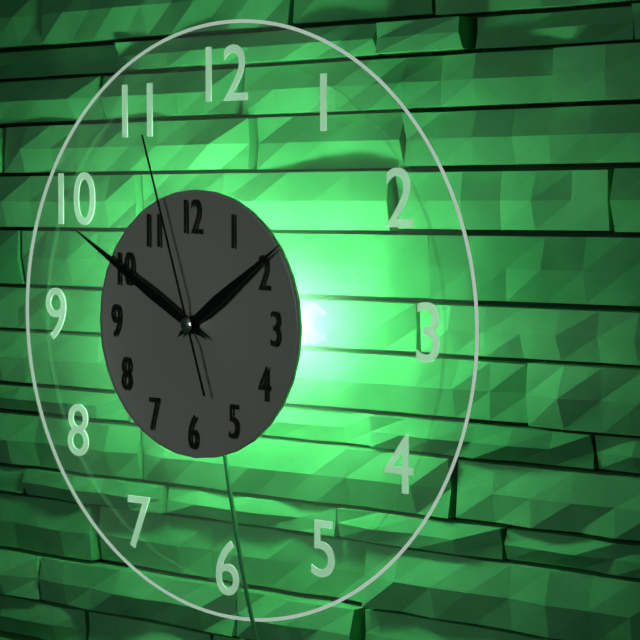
1:50:57
